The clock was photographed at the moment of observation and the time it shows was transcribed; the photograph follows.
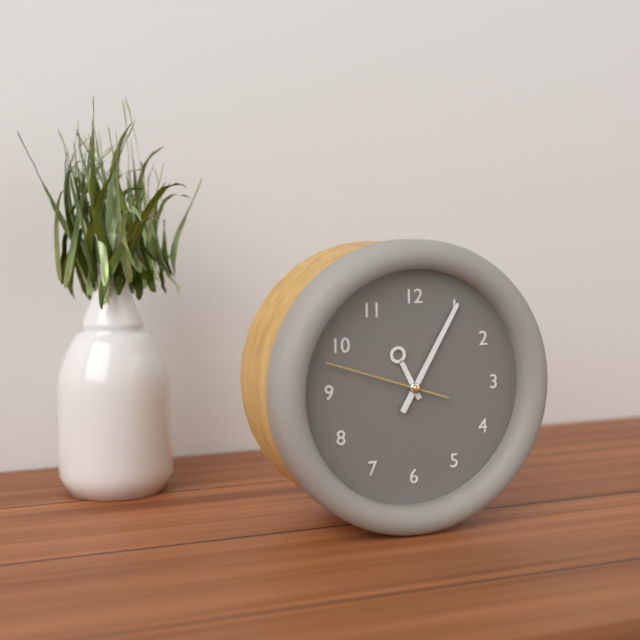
11:05:48
